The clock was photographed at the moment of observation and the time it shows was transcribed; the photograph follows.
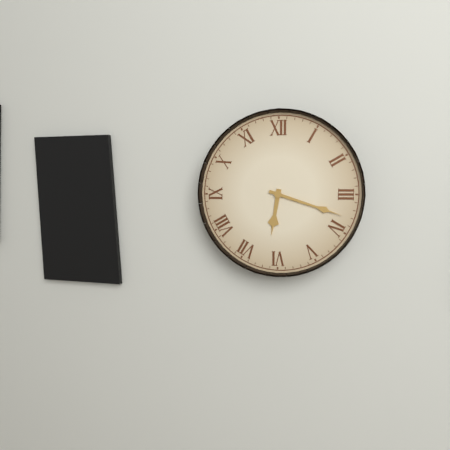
6:18
